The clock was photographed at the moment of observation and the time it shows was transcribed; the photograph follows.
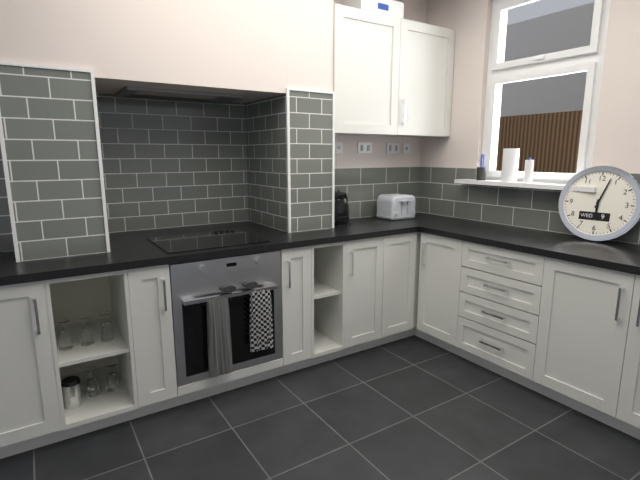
6:03
